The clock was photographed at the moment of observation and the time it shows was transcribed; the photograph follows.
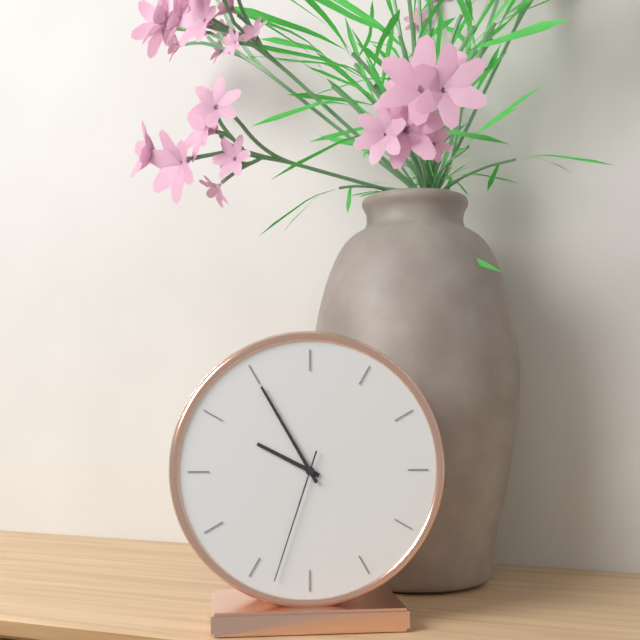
9:55:33
